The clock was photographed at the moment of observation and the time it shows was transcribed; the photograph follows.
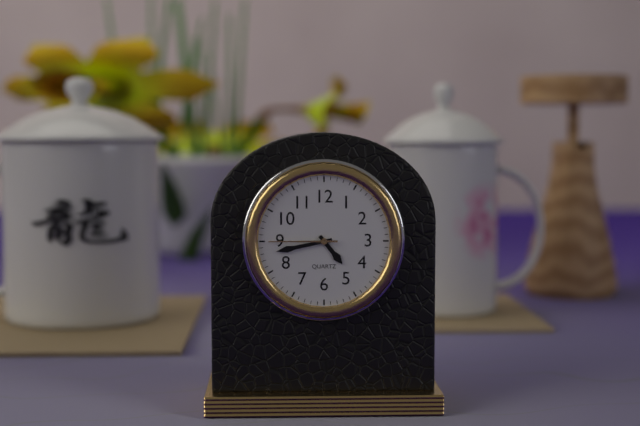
4:43:45
